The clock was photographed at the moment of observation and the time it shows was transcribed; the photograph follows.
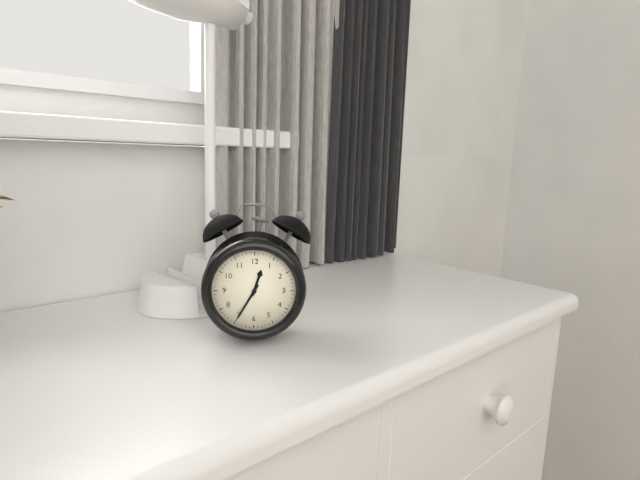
12:35
